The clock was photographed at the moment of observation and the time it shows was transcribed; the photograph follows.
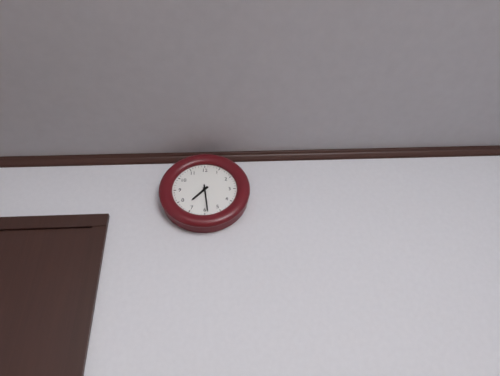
7:29
